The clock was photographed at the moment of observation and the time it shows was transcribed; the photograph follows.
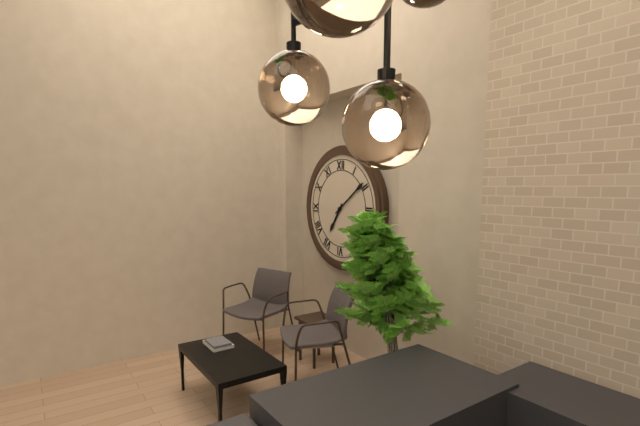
7:09
